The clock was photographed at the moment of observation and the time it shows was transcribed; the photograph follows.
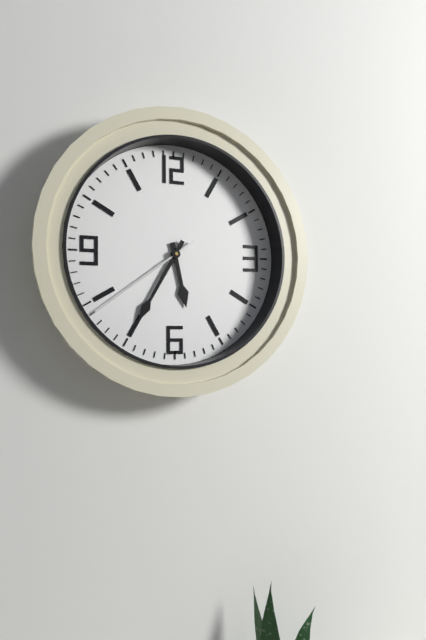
5:35:39
